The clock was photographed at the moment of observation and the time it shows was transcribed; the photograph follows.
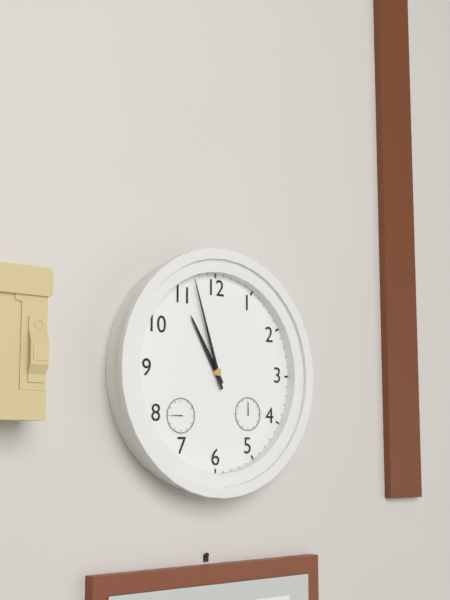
10:57
